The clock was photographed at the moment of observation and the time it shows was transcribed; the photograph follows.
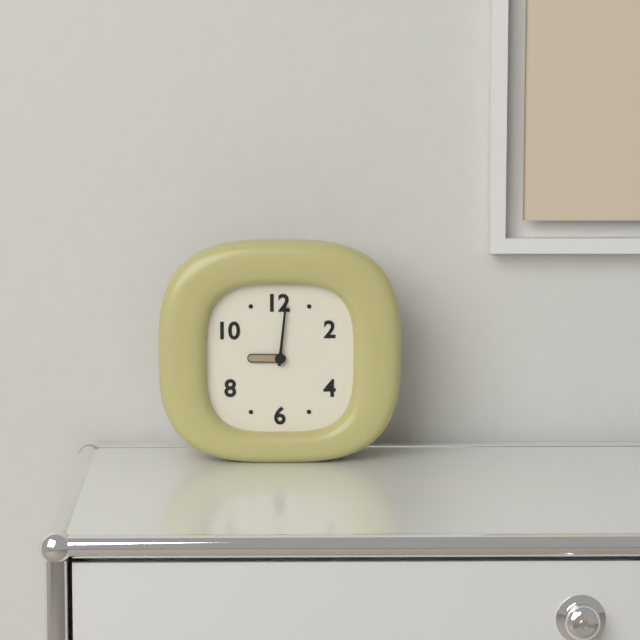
9:01
